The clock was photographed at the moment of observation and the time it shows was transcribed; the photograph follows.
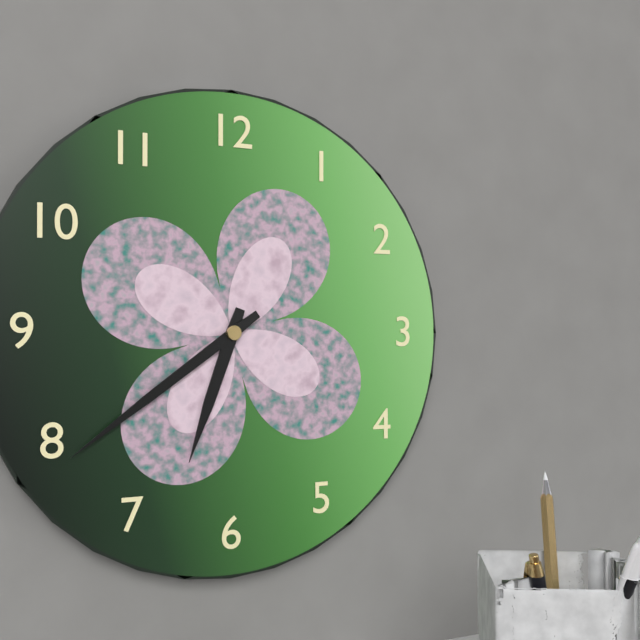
6:39
